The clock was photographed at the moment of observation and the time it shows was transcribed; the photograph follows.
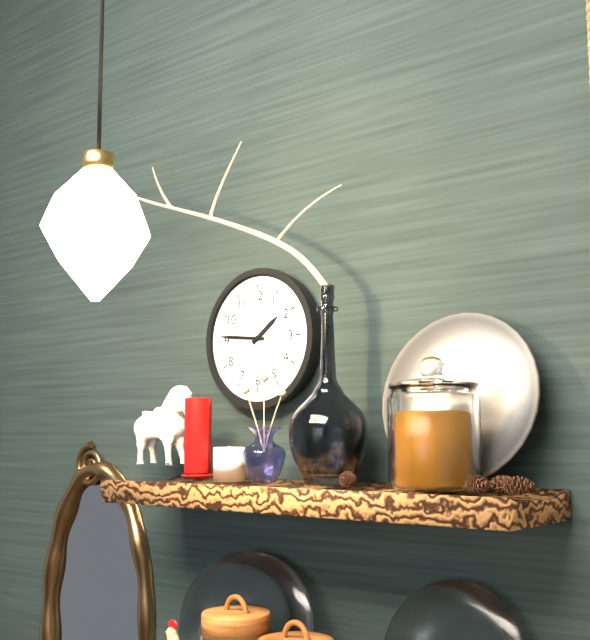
1:46
